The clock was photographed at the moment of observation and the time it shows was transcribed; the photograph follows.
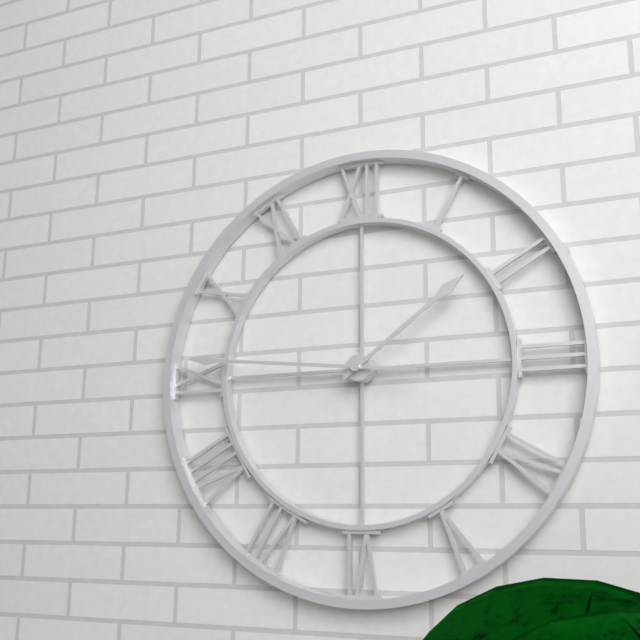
1:46
